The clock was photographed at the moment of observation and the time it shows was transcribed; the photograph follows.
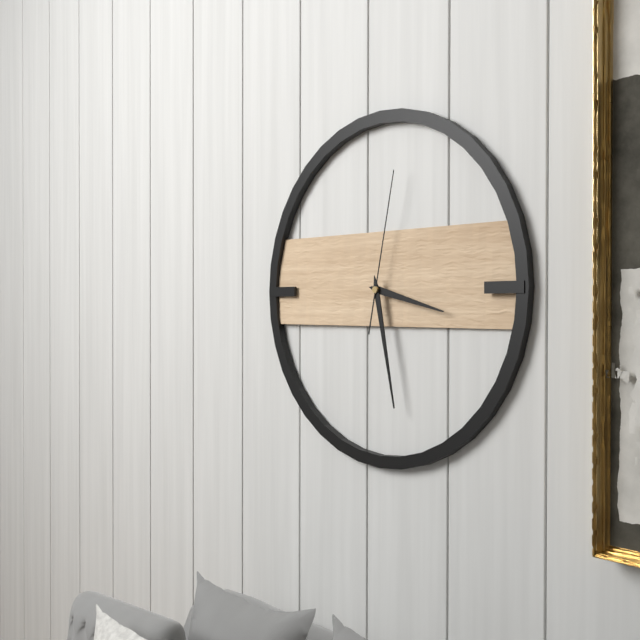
3:28:02
